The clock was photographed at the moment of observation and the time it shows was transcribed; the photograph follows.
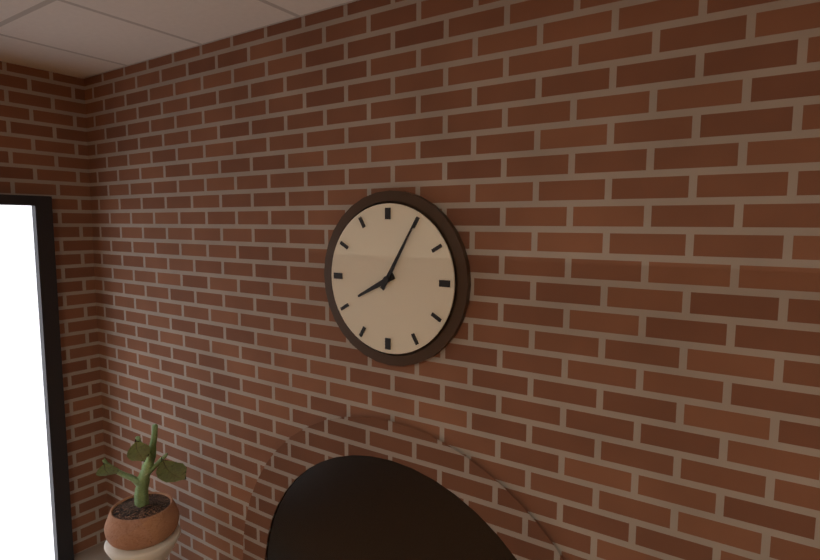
8:05
